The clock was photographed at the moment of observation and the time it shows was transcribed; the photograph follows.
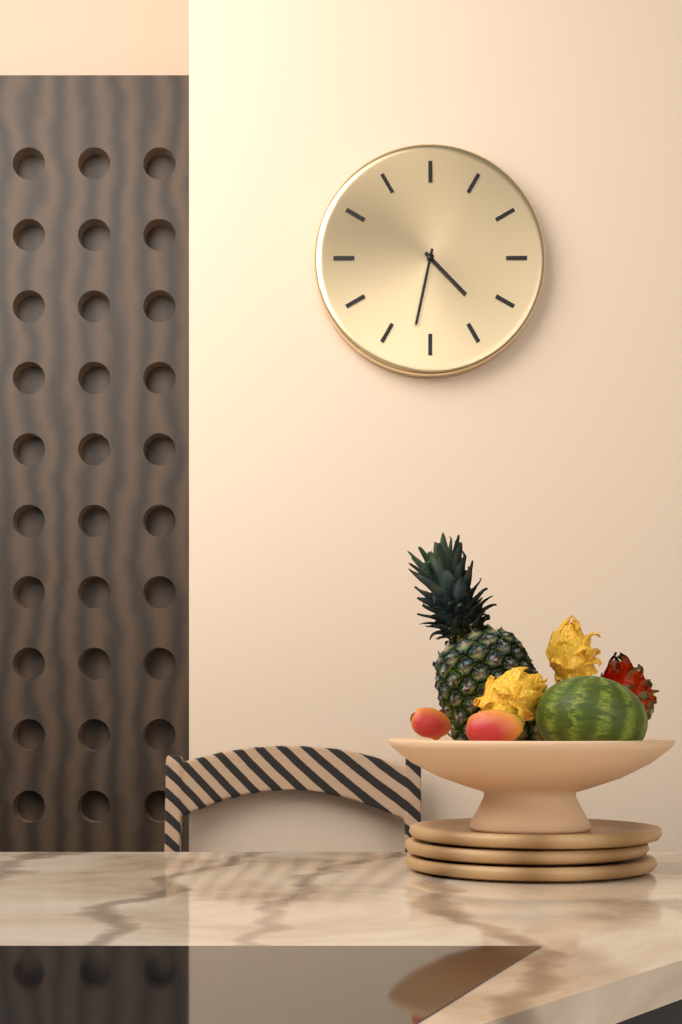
4:32
